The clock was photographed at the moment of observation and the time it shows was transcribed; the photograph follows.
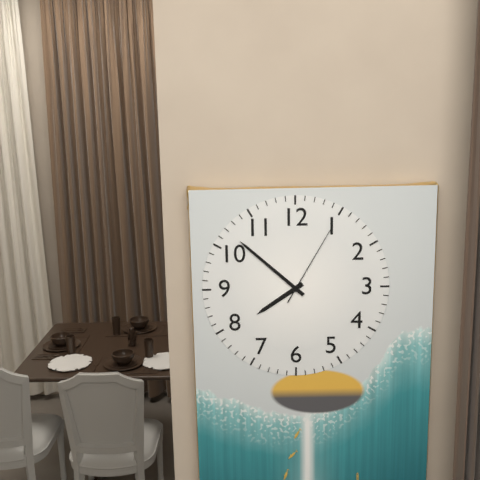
7:52:05
